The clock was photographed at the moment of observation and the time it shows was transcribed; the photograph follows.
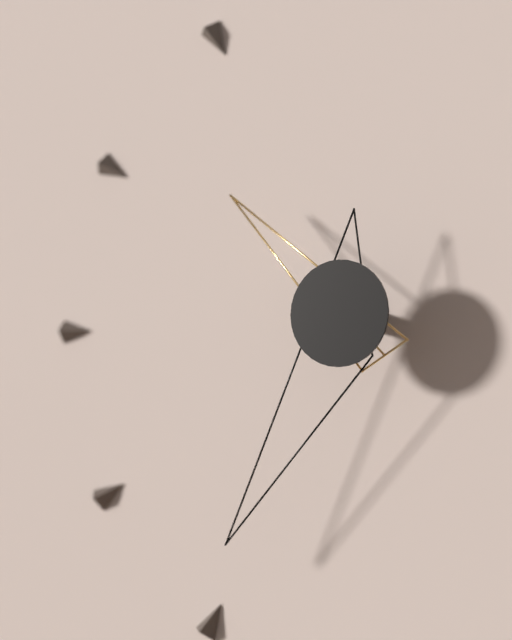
10:35
